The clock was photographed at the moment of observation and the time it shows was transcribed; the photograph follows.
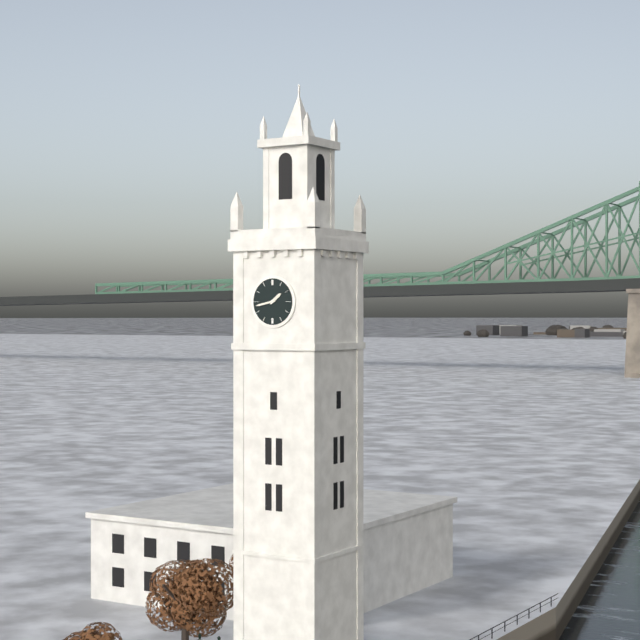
1:43
